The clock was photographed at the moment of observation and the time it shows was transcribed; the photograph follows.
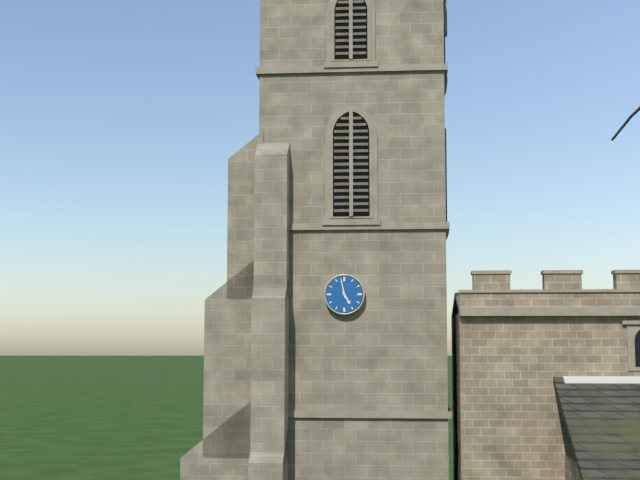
4:58
